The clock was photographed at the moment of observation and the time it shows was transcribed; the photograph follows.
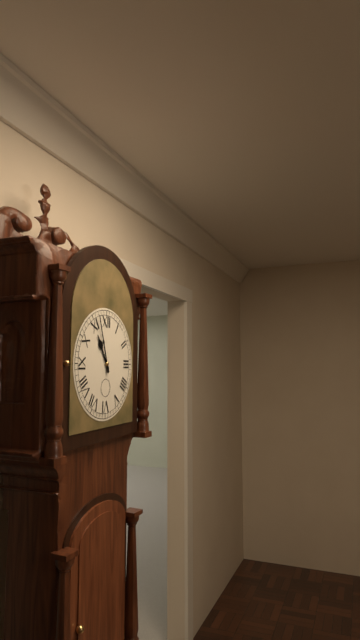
10:57
